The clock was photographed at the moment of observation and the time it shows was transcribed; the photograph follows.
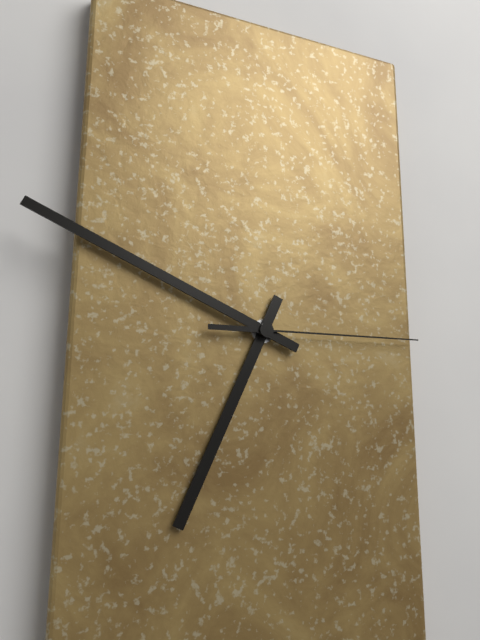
6:49:15
